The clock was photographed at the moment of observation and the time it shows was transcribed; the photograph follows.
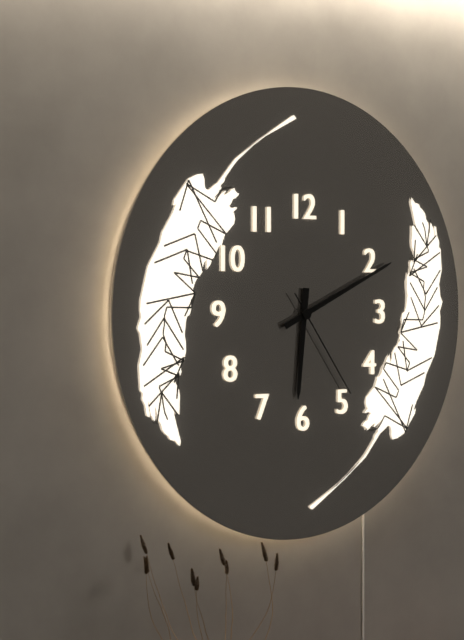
6:11:24
